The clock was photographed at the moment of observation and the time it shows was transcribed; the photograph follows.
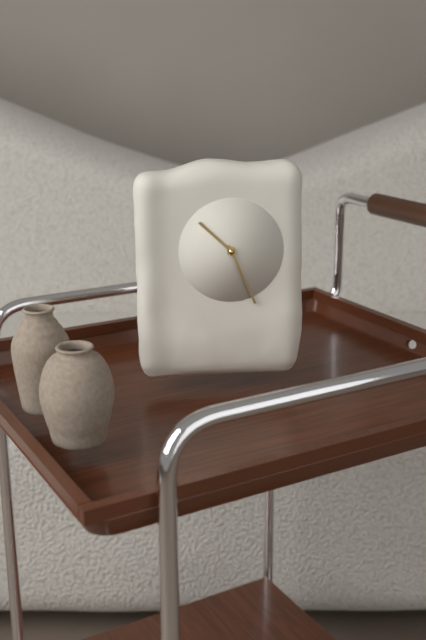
10:26
